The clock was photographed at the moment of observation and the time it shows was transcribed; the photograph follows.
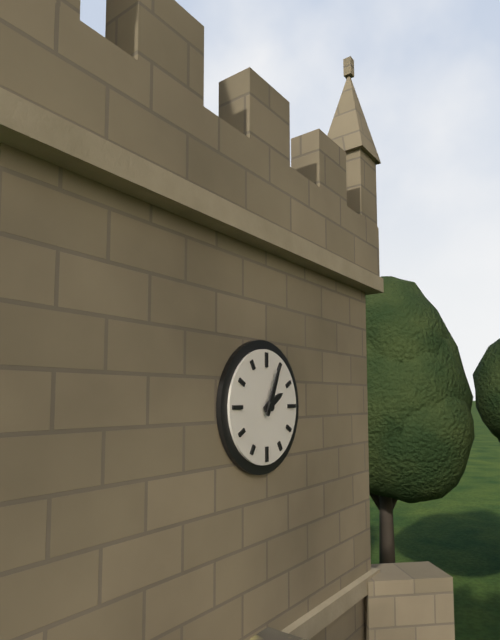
2:04
